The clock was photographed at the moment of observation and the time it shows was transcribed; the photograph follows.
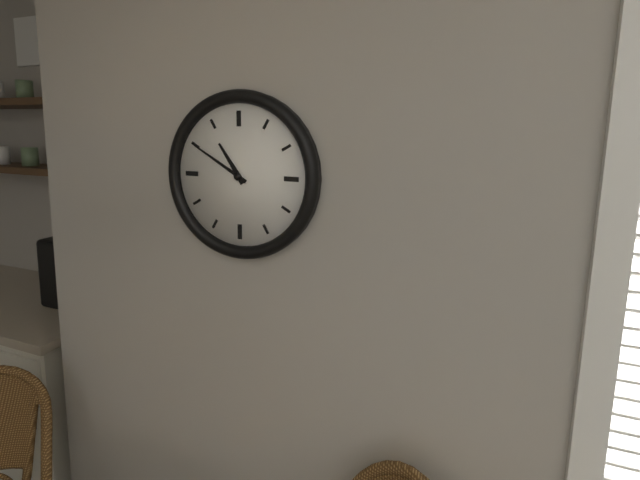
10:50
